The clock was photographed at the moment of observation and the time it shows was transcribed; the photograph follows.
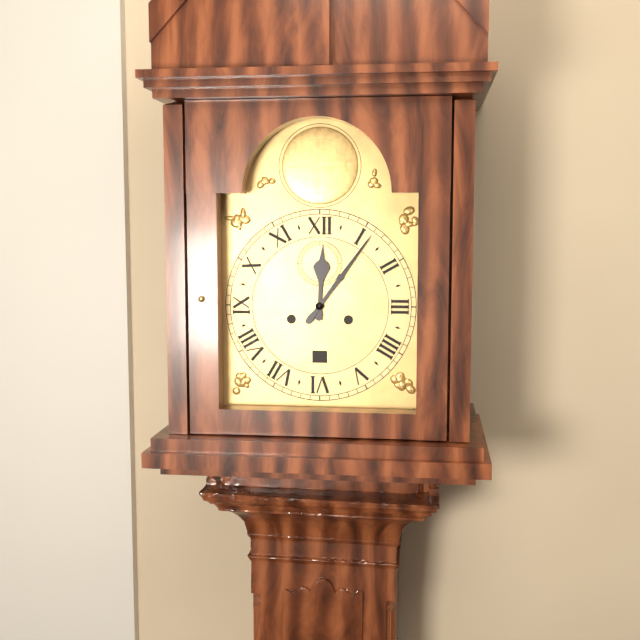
12:06
